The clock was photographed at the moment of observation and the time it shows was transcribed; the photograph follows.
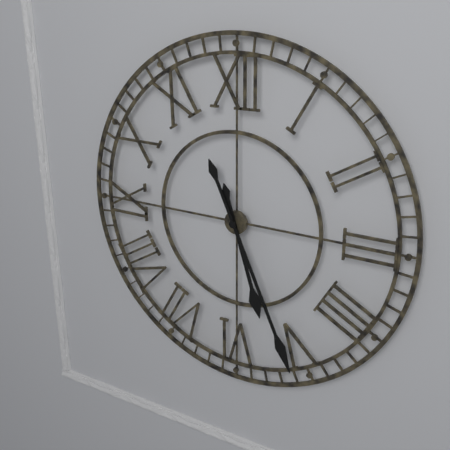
5:26
